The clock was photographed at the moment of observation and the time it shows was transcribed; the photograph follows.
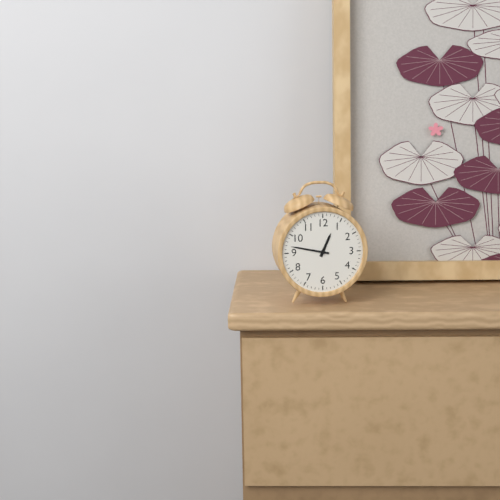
12:47
